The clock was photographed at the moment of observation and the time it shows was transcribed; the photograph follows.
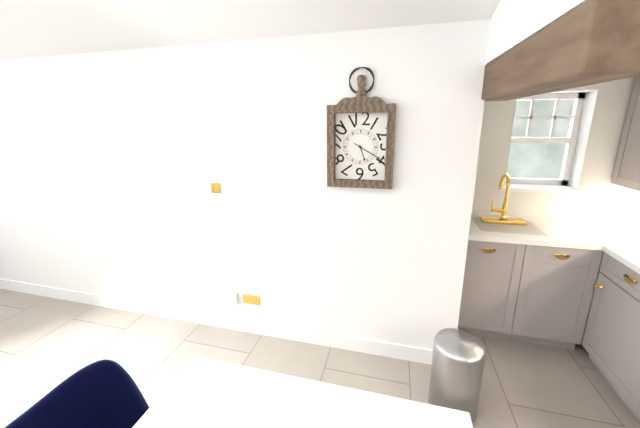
5:20
